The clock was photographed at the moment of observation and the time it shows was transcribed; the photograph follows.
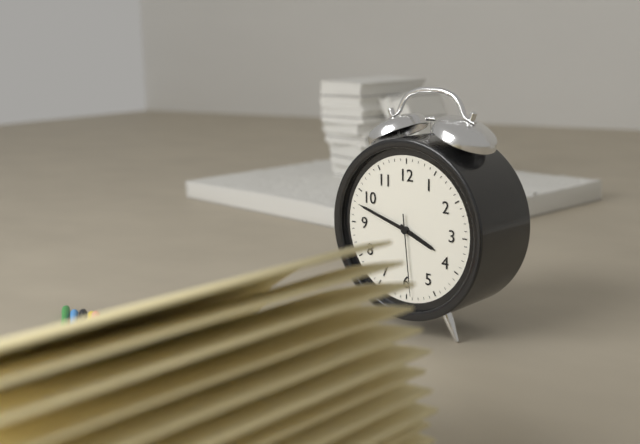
3:48:29
